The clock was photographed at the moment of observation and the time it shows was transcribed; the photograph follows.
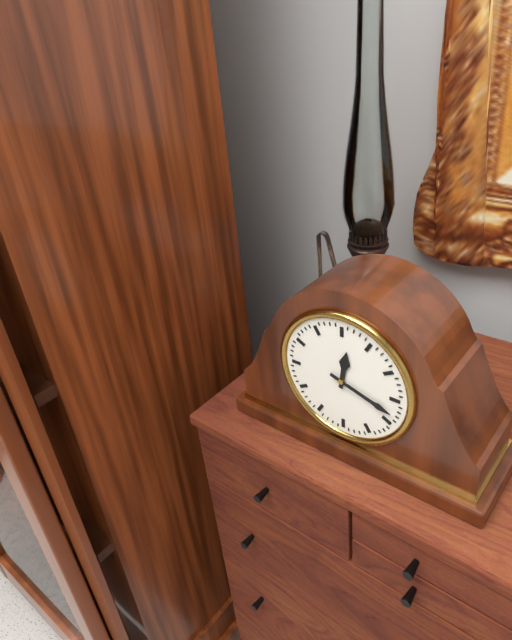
12:18
